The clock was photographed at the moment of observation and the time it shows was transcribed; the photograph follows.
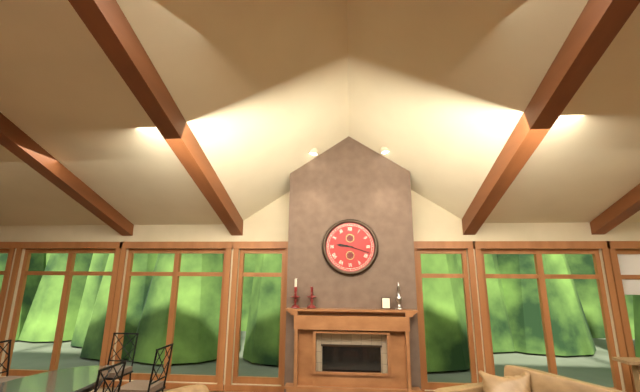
9:18
